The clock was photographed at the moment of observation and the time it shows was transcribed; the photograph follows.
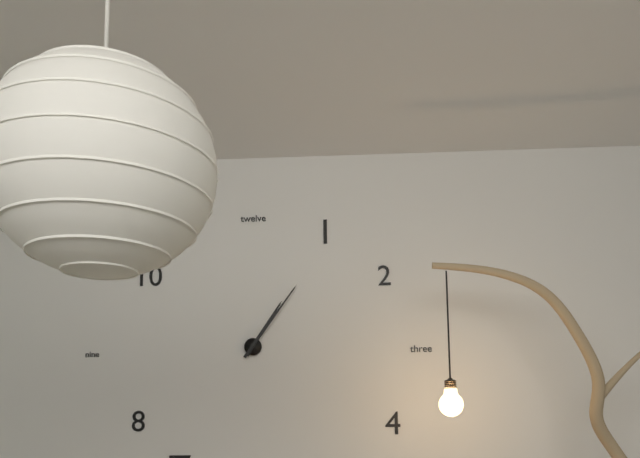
1:06
